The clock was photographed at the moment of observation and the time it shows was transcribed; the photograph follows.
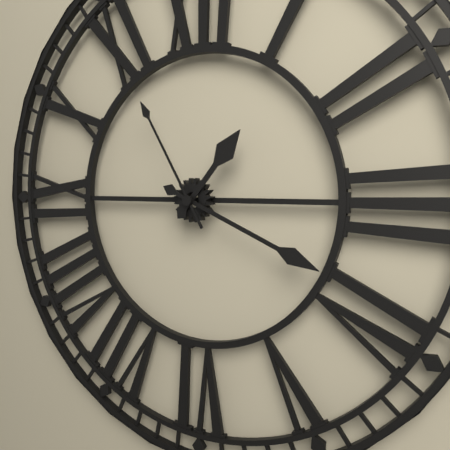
1:19:55
